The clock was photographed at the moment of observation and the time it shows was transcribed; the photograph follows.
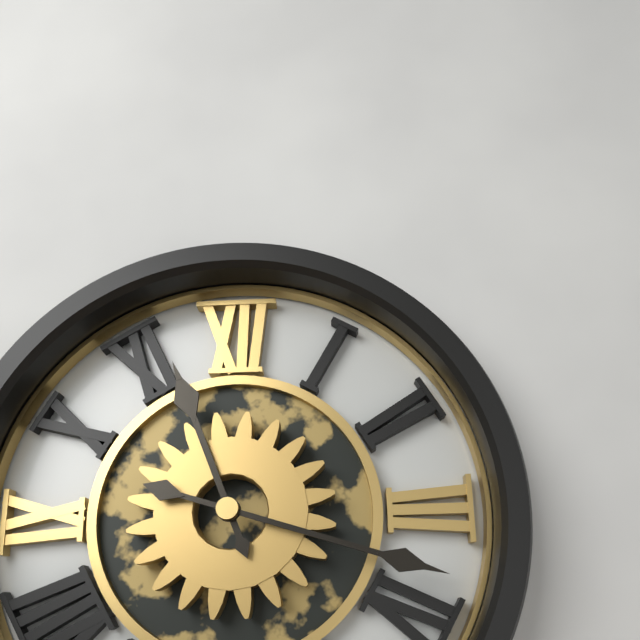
11:18
